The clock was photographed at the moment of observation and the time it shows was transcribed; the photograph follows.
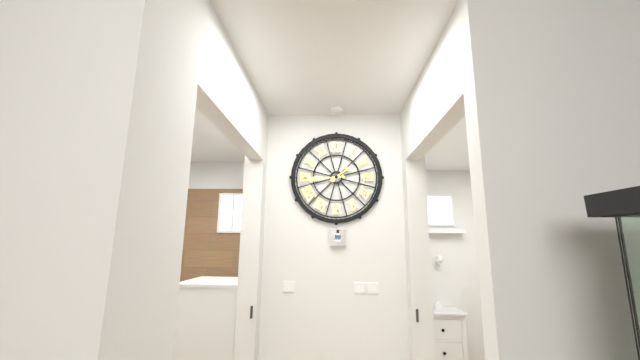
1:44
